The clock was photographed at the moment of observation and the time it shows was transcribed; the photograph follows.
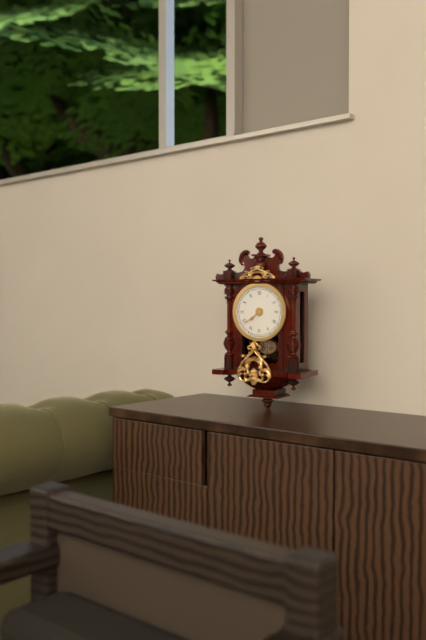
7:39
